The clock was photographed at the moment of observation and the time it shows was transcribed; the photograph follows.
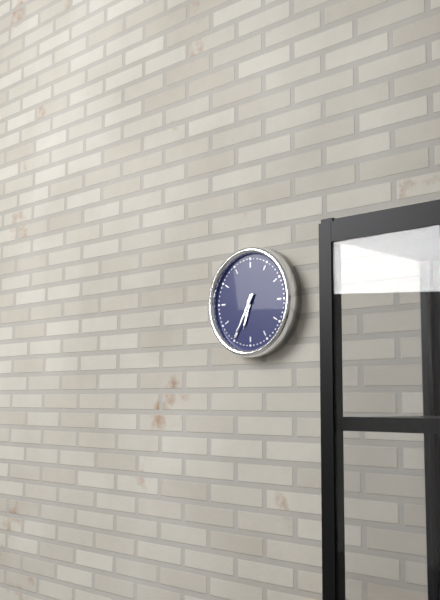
6:35
